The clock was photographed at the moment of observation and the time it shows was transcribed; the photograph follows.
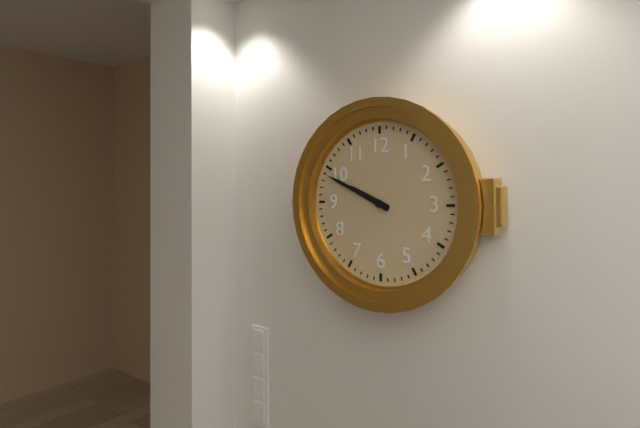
9:49
